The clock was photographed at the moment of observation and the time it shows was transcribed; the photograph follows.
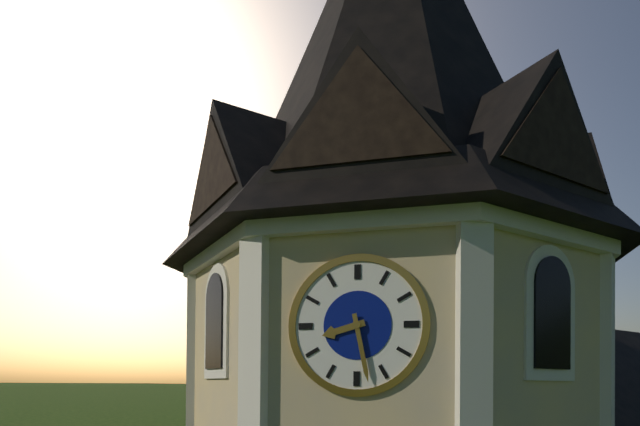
8:28
